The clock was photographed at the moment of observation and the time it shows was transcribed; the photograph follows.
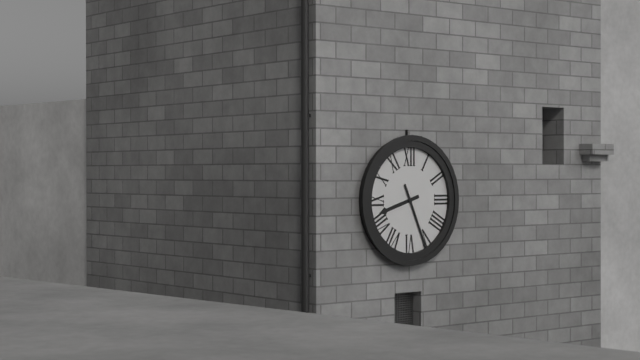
8:26
